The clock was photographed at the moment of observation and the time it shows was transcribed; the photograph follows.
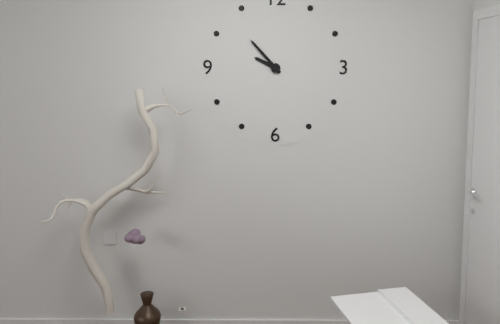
9:53
